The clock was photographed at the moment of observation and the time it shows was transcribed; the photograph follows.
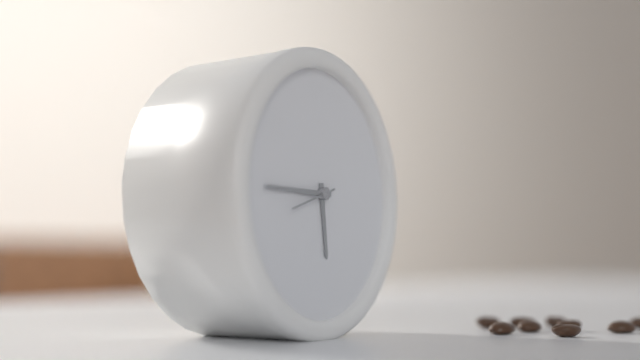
5:45
